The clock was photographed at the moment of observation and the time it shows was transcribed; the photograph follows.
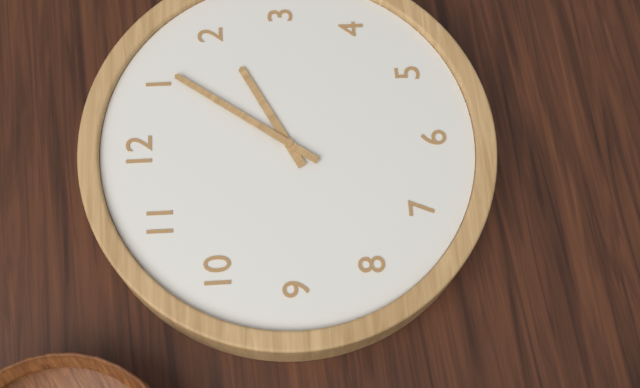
2:06
